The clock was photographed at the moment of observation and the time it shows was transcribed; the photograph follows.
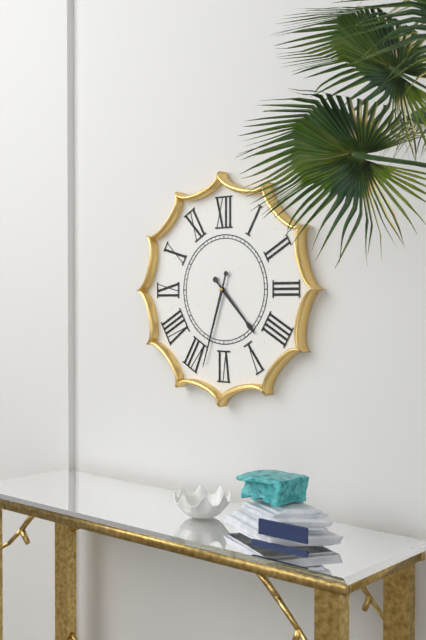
4:33
